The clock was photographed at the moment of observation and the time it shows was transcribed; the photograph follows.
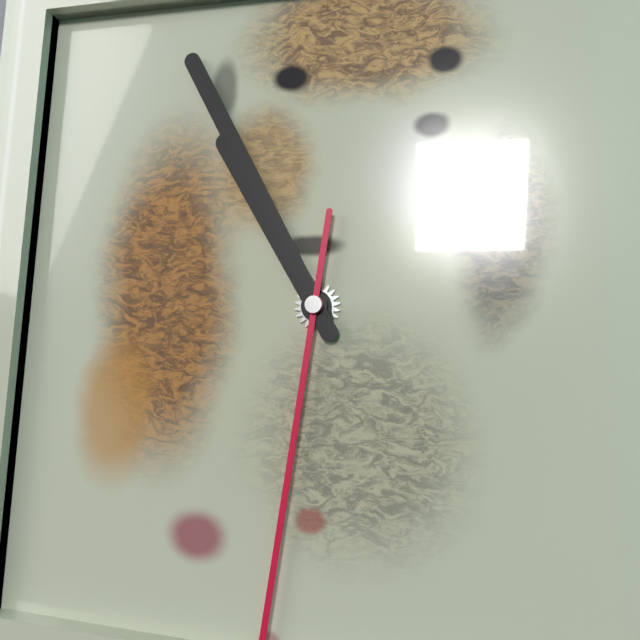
10:55
